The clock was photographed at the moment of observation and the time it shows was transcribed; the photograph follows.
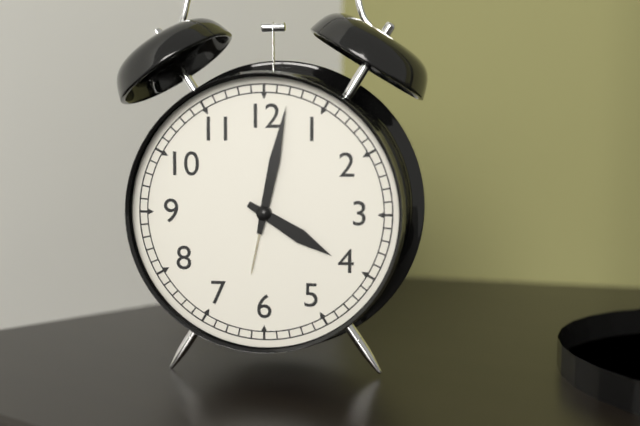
4:02
